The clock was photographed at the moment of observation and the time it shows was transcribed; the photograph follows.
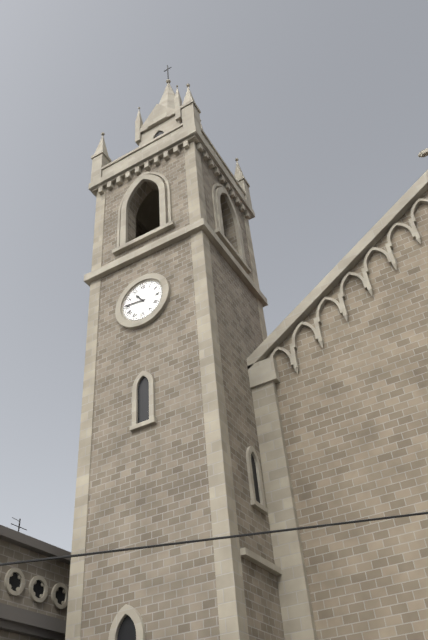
10:46
